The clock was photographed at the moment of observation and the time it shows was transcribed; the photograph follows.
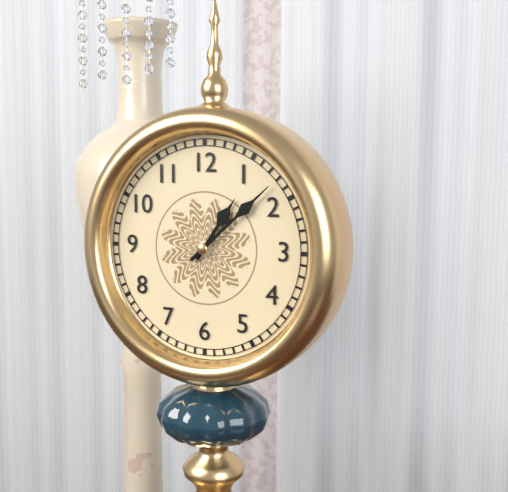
1:08
